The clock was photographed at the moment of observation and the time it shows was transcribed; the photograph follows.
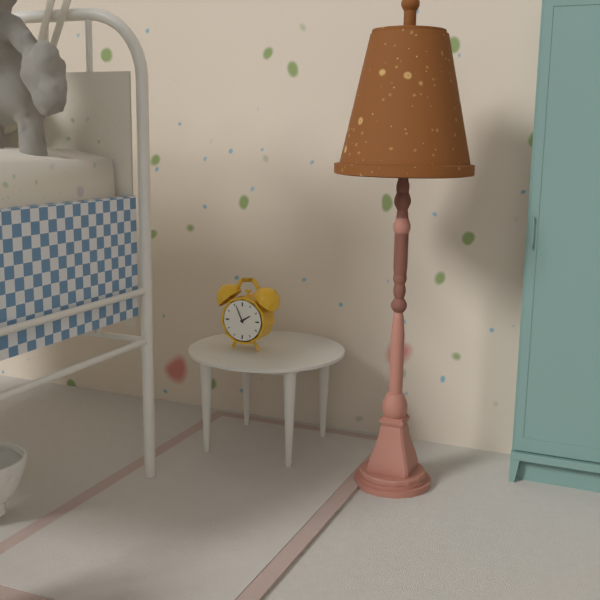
1:56
